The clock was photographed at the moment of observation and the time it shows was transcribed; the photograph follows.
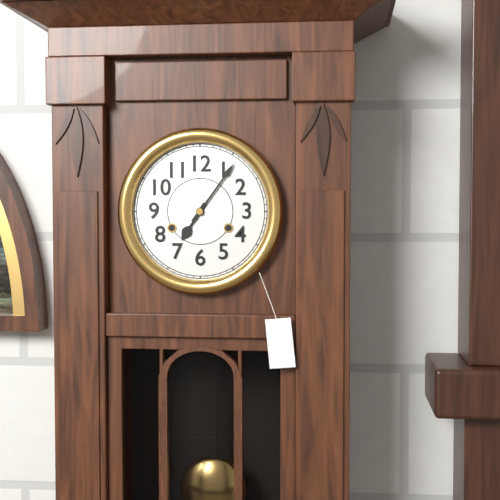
7:06
